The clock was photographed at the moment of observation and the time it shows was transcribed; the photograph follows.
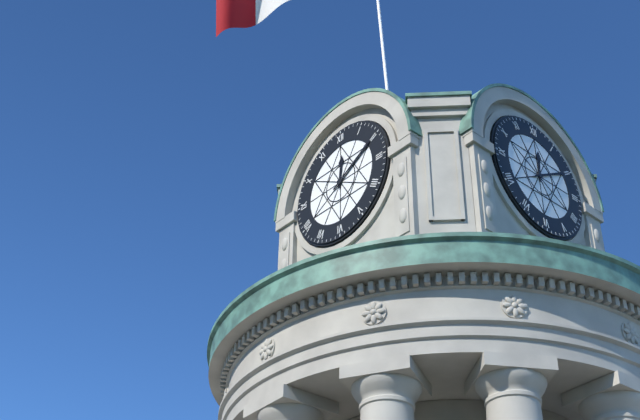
12:10
